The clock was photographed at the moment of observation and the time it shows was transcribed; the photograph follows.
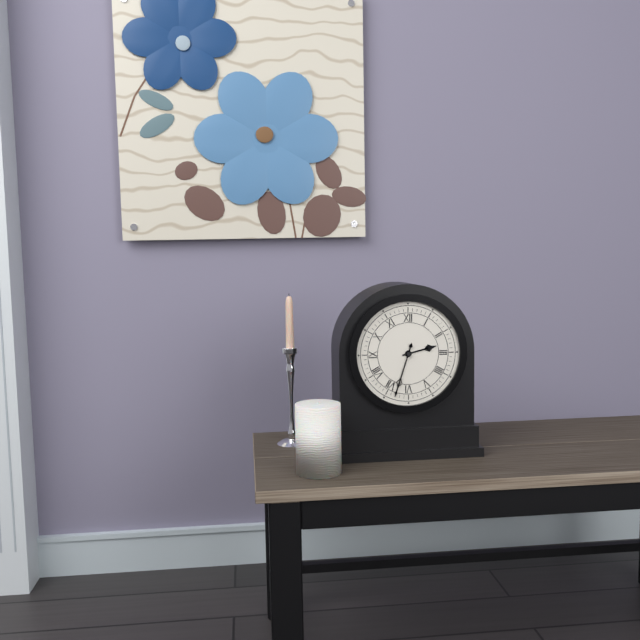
2:33
